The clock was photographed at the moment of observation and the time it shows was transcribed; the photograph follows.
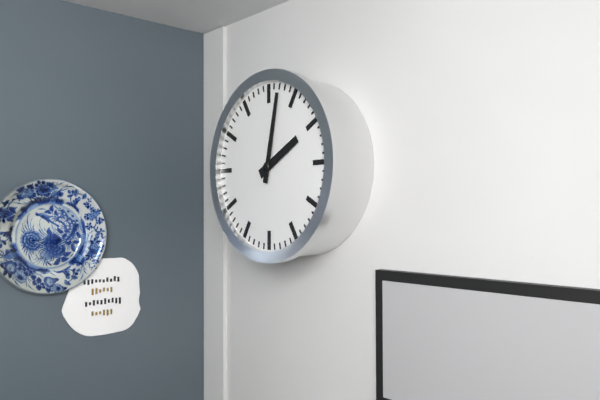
2:02
